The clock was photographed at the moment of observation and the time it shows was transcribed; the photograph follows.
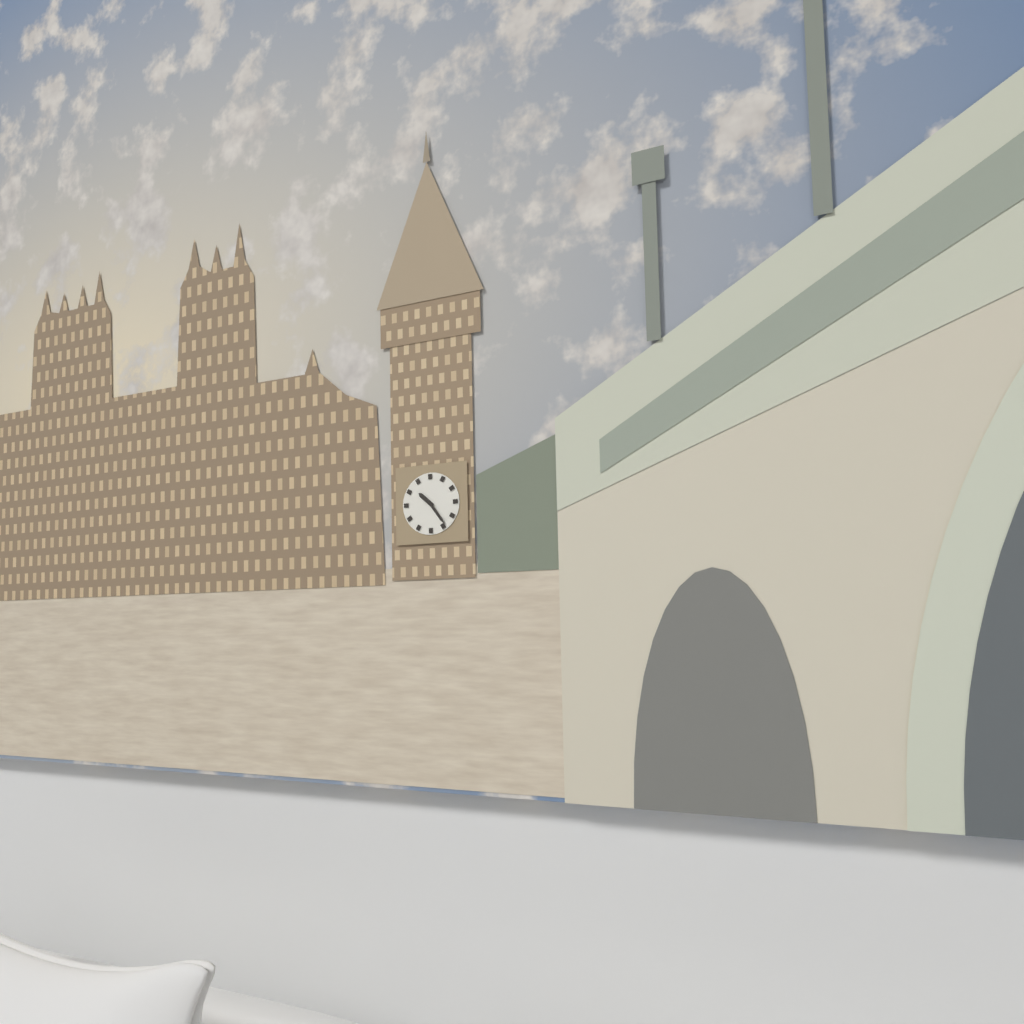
10:24
